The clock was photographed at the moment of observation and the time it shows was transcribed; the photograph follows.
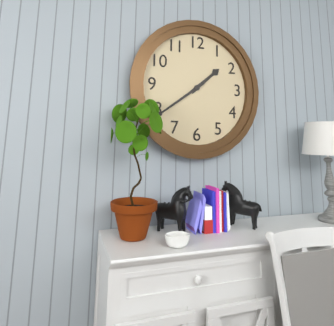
1:39
